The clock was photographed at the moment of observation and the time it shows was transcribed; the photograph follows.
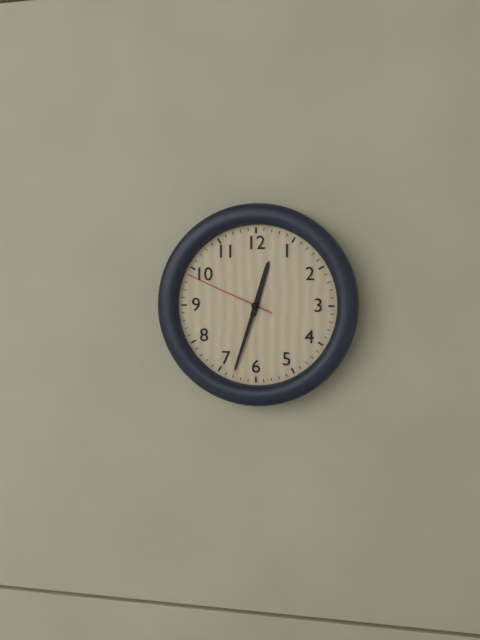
12:33:49
